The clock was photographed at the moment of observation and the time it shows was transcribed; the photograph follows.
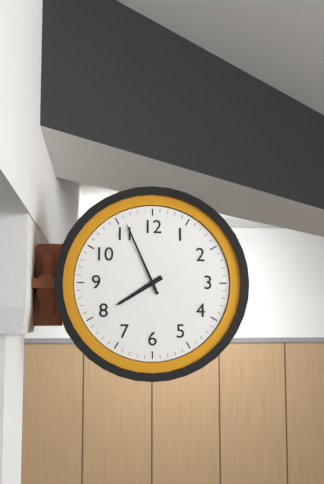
7:56
